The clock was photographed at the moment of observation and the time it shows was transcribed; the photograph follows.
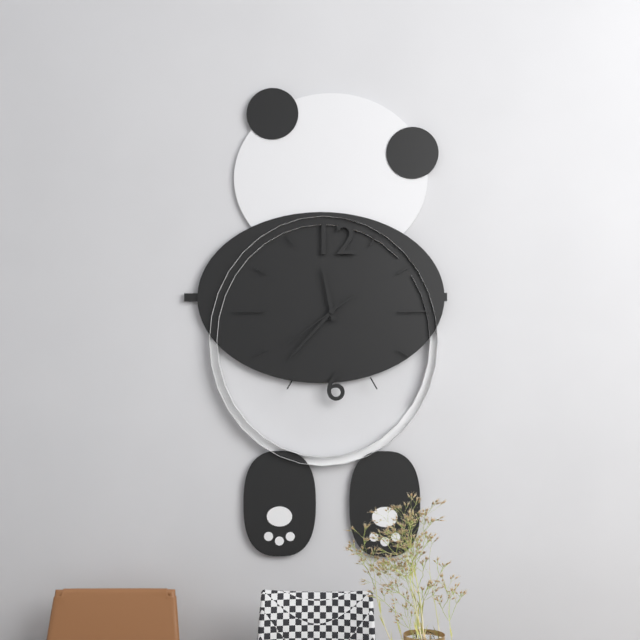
11:37:39
